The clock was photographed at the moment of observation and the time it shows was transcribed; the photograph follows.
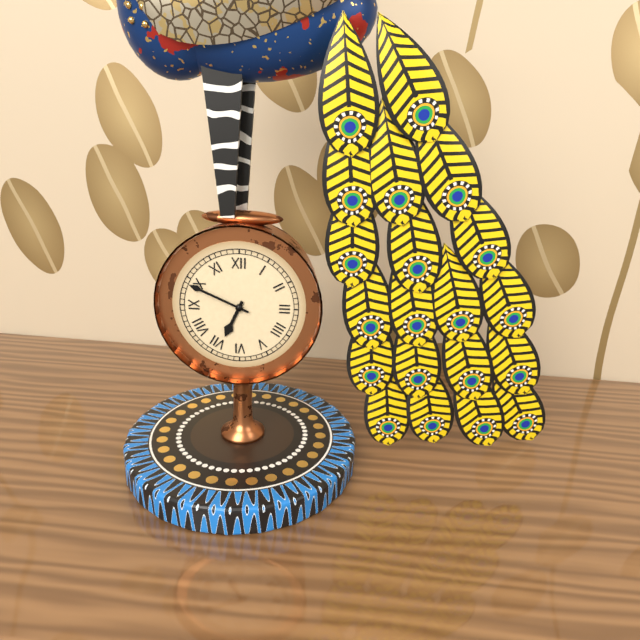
6:49
